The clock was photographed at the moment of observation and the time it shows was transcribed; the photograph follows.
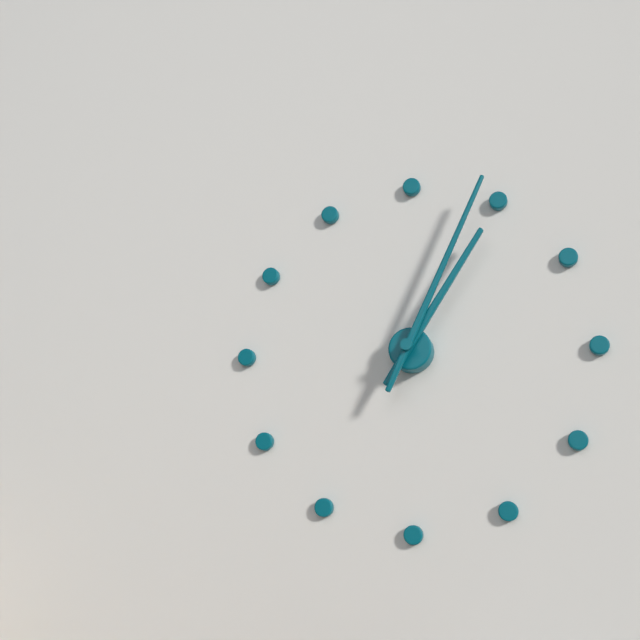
1:04
